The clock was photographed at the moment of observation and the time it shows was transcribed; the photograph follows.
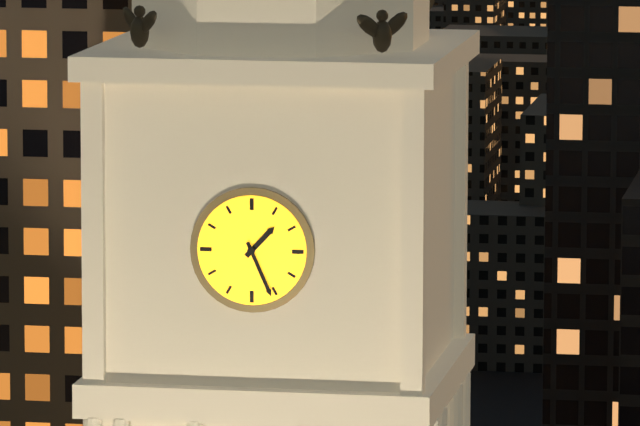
1:26
